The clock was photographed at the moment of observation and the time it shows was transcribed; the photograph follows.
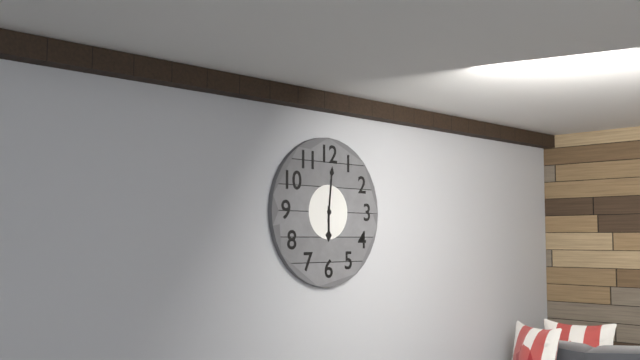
6:01
